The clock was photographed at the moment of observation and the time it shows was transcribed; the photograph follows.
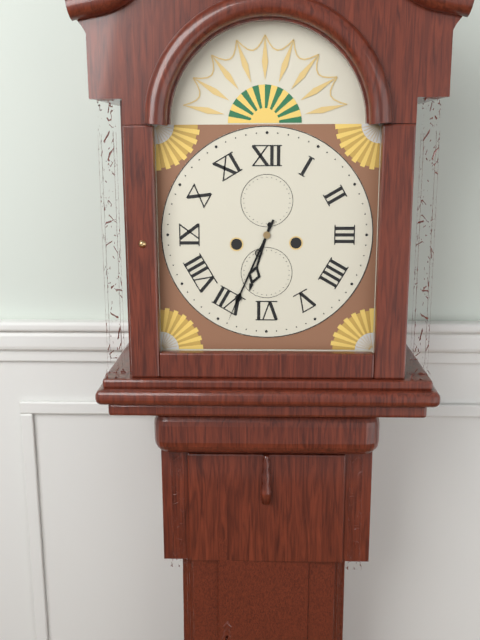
6:34
